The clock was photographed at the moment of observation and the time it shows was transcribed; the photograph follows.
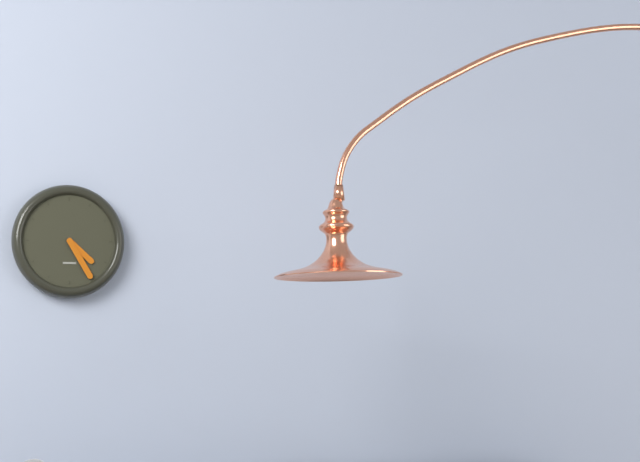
4:25
